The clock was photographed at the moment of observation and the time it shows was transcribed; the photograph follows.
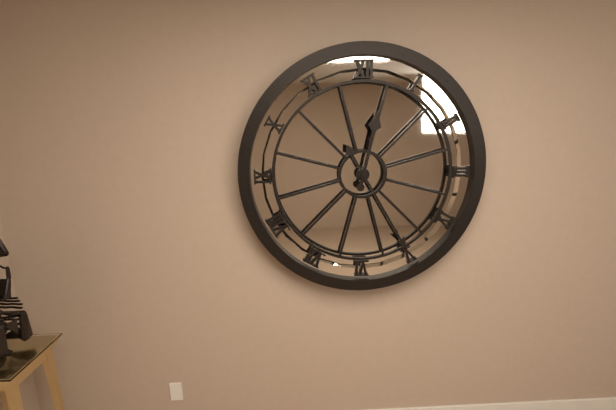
12:25
